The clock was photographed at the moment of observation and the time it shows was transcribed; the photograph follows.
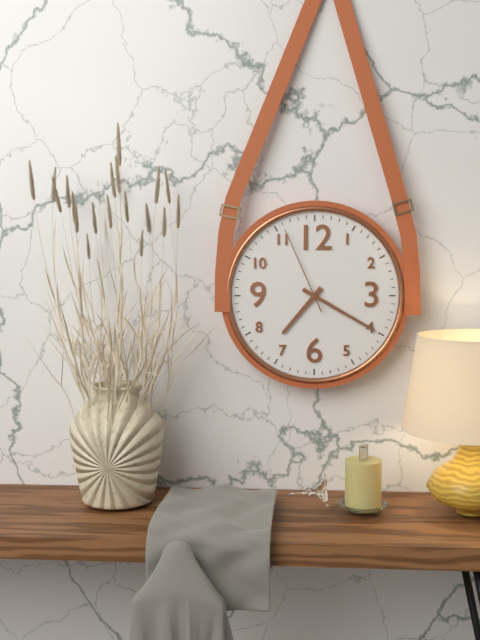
7:20:56
